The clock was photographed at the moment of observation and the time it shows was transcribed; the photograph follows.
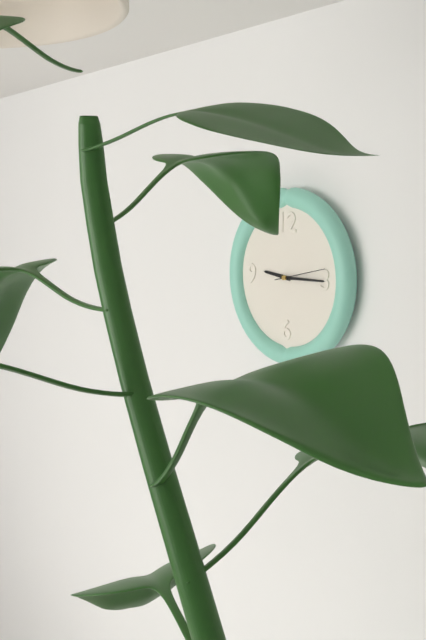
9:15:13
